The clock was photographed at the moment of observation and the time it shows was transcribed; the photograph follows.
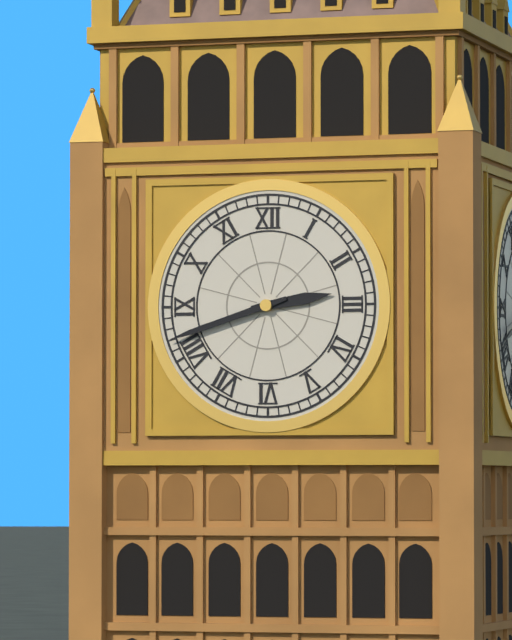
2:42
